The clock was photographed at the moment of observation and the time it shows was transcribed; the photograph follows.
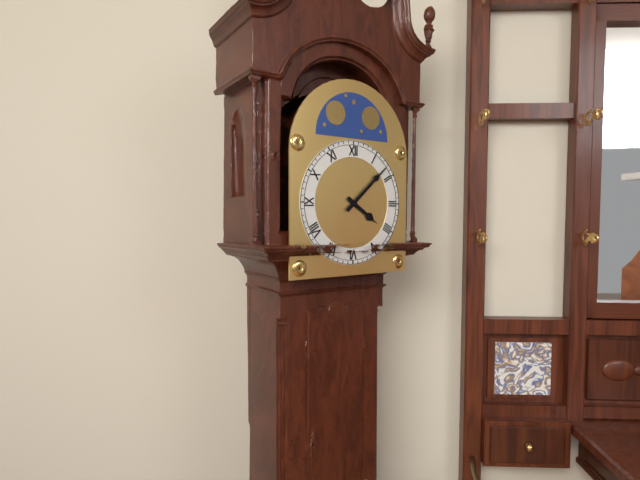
4:08
